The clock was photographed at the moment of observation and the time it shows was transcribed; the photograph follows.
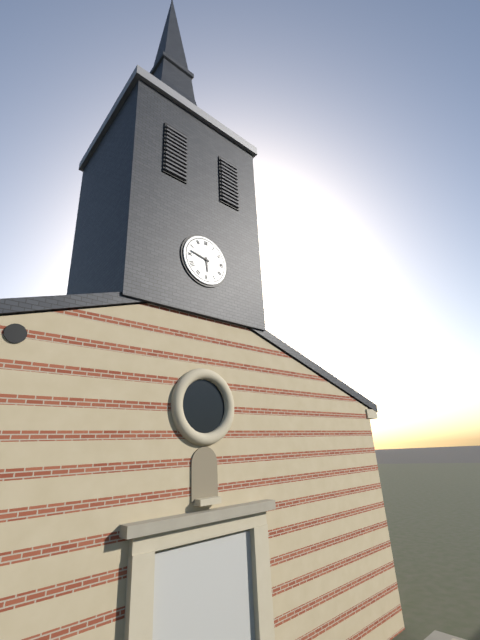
5:47
